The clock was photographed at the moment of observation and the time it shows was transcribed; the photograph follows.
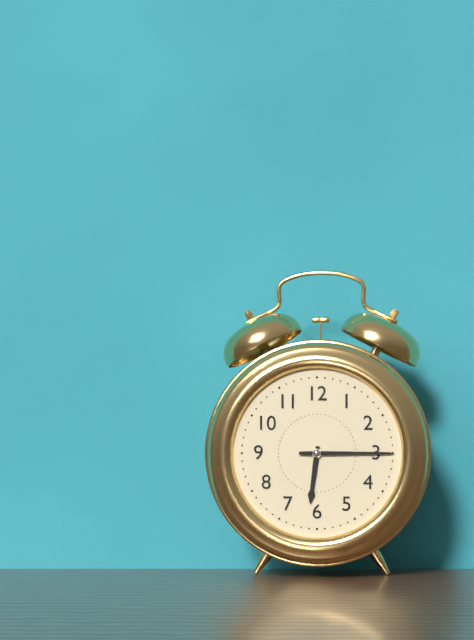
6:15
